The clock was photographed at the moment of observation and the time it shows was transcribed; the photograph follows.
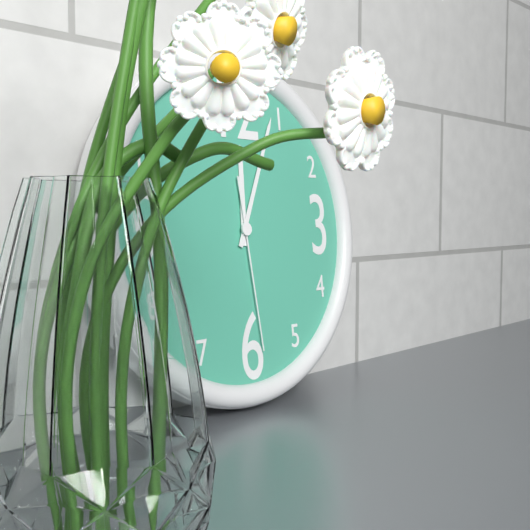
12:04:29
